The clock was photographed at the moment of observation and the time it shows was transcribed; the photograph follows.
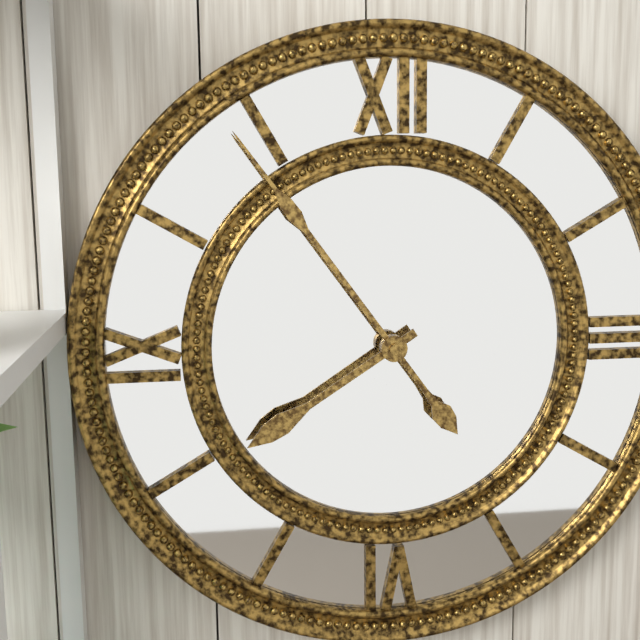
7:54
